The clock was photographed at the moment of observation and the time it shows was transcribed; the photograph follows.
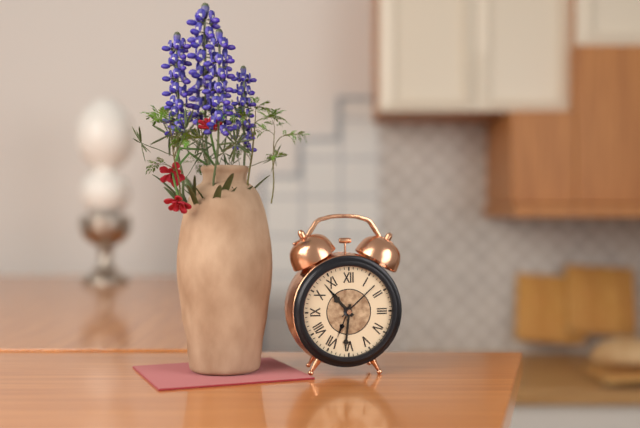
10:31
